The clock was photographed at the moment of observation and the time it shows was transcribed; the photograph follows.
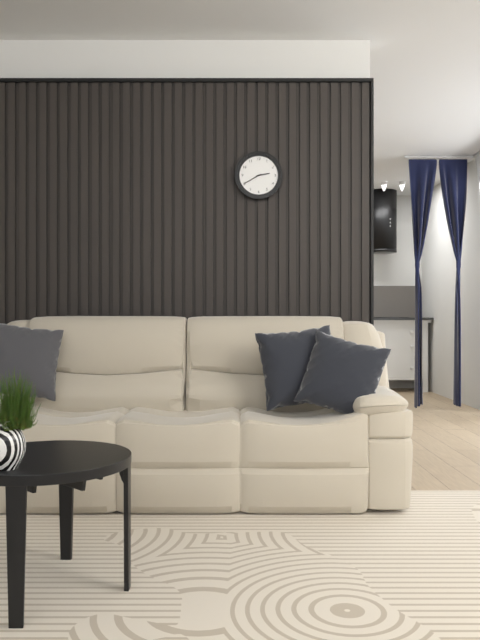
2:40
